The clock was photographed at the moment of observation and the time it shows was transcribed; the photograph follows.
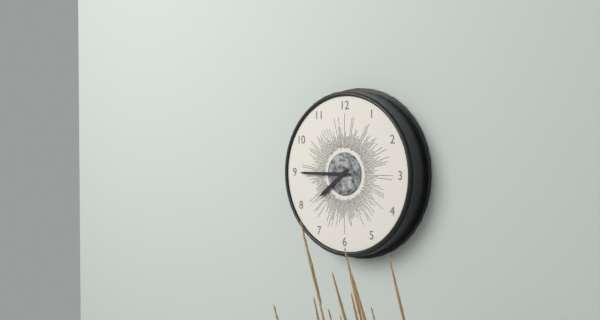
7:45
